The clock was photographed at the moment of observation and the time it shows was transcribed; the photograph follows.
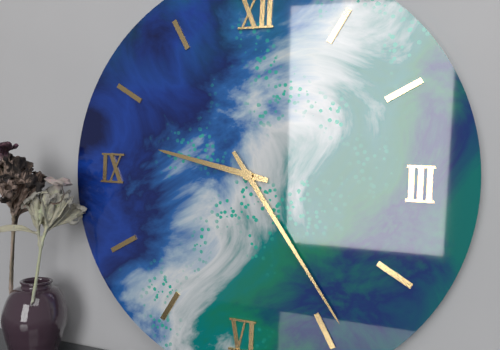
9:24
